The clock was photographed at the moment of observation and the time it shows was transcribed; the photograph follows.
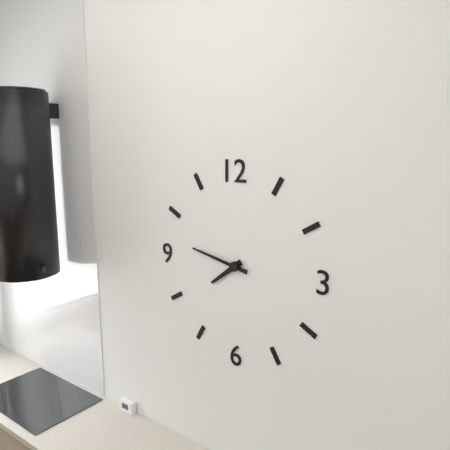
7:47
